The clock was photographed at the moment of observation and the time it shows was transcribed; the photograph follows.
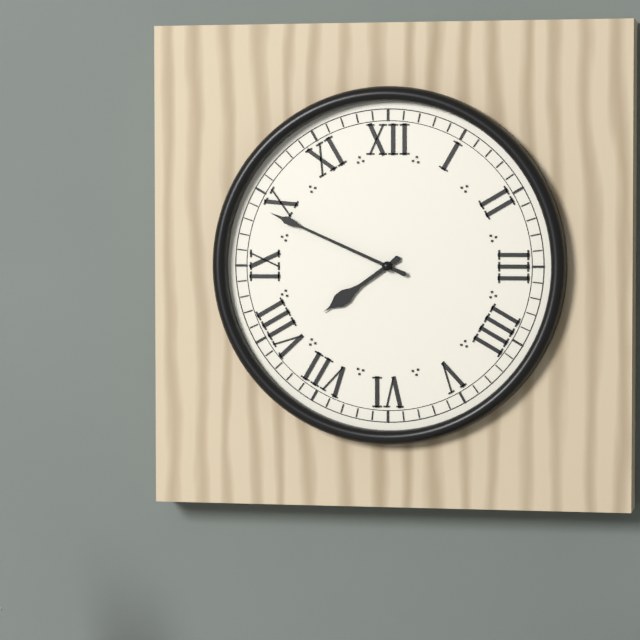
7:49
